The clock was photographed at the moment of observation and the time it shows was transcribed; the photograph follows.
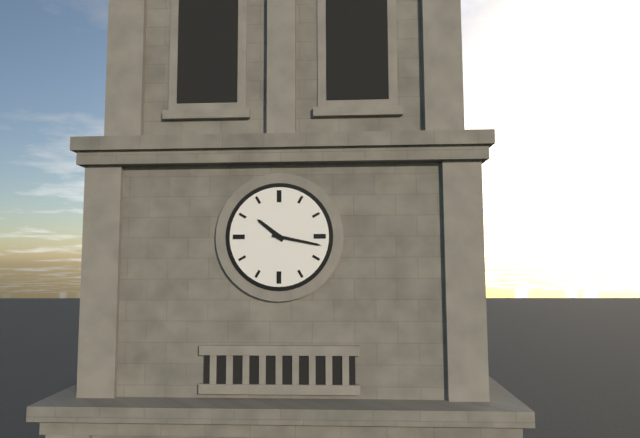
10:17
